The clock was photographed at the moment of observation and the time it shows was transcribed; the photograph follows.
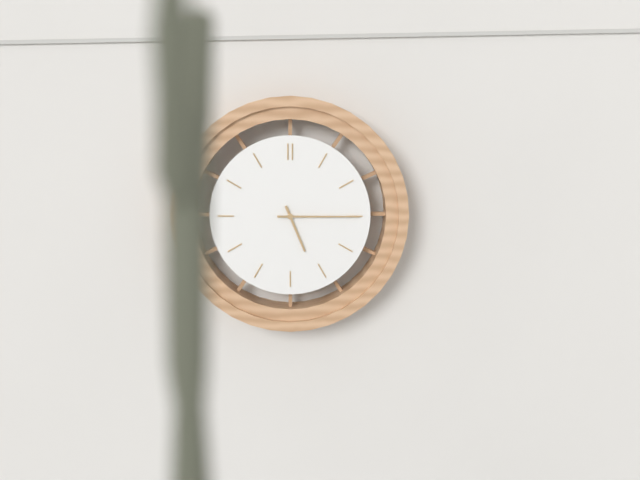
5:15
